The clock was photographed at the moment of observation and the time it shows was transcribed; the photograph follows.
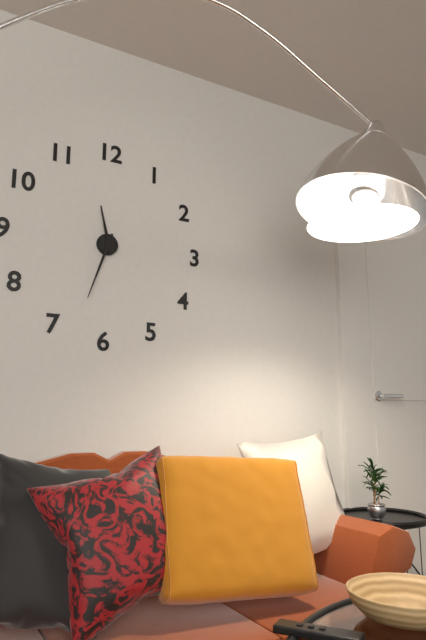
11:33
